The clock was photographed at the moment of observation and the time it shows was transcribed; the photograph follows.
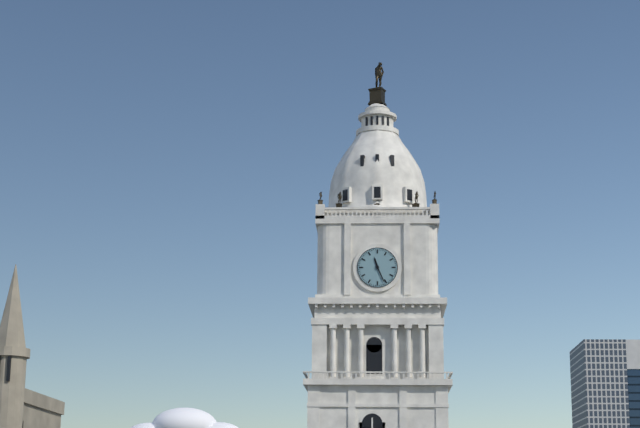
11:26
